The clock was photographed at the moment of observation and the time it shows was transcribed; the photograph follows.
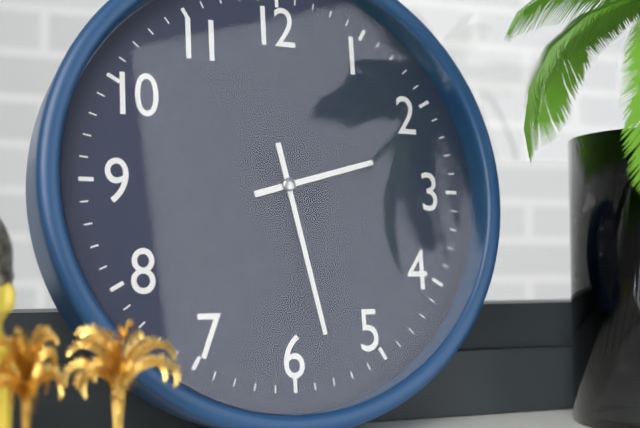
2:28
